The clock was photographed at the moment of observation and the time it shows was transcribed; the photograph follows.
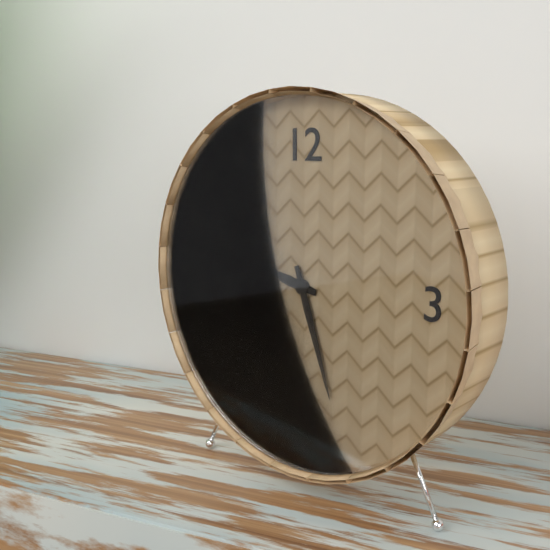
9:27
